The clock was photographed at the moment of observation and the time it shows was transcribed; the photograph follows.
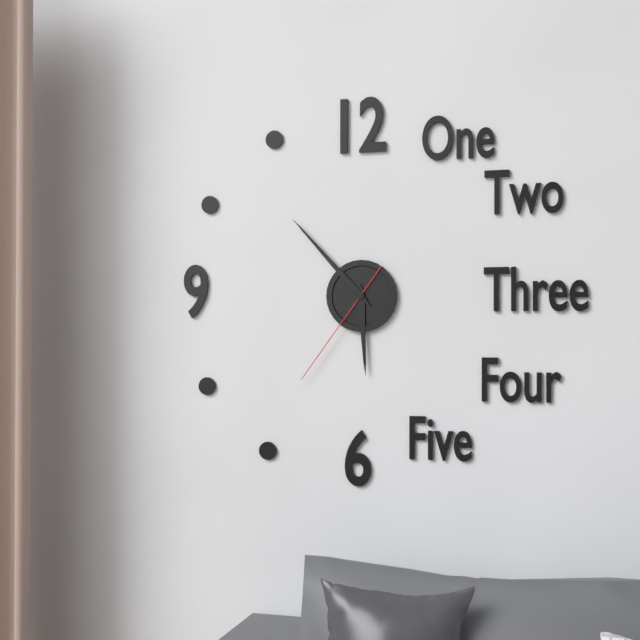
5:53:36
